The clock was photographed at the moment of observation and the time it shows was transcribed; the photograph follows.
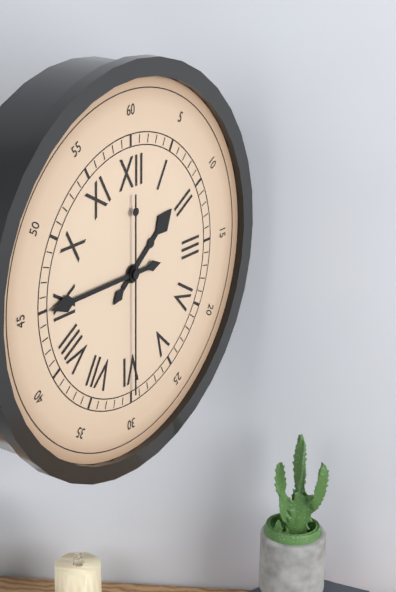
1:45:30
